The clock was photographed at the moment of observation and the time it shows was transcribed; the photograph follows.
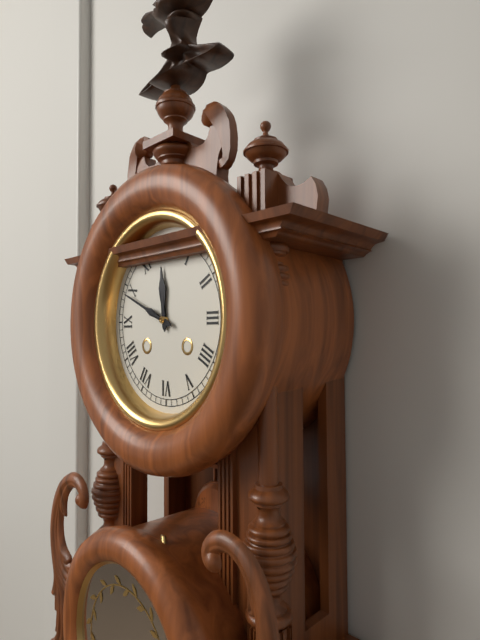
11:49
